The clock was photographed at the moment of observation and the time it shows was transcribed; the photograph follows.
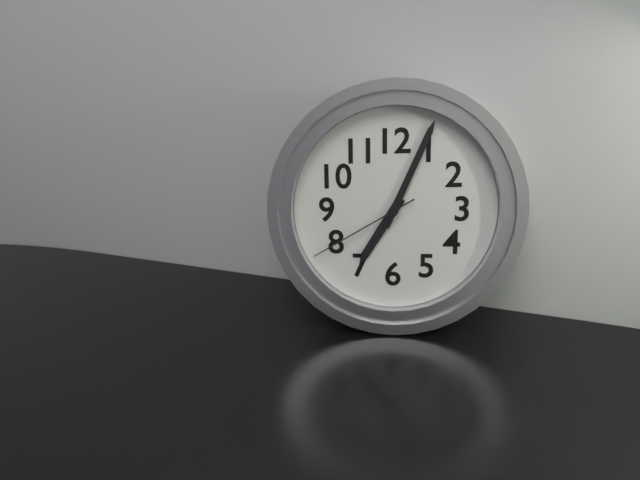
7:04:40
